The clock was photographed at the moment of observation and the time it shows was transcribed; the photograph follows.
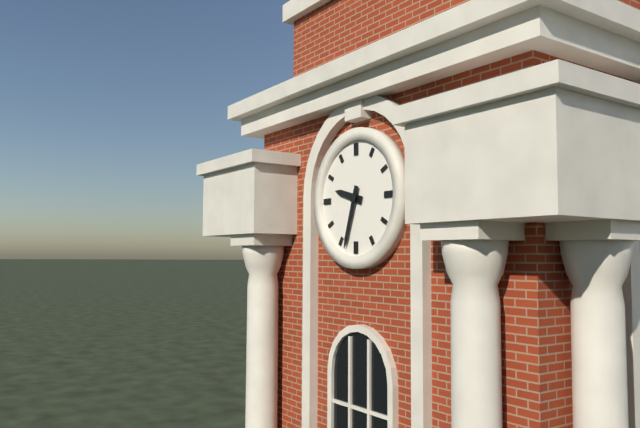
9:33
